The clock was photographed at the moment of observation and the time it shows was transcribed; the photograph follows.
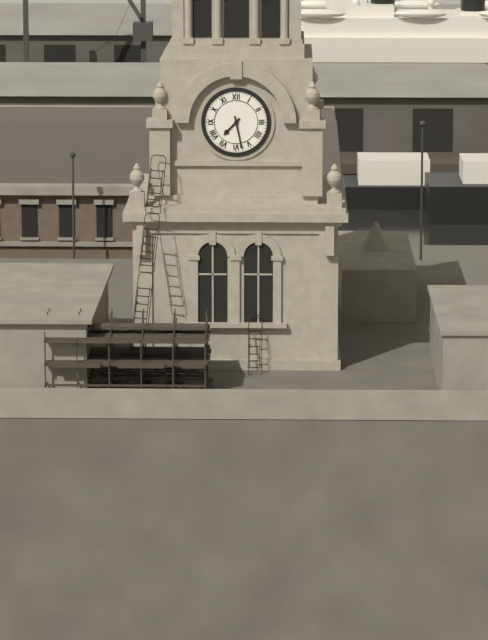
7:28
